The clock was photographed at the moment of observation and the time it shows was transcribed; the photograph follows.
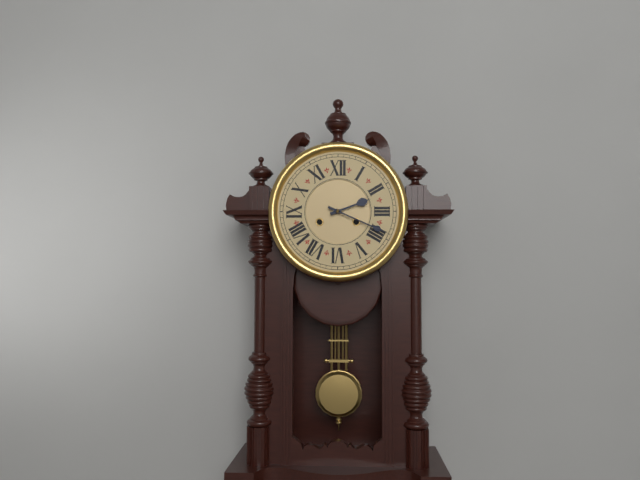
2:19
